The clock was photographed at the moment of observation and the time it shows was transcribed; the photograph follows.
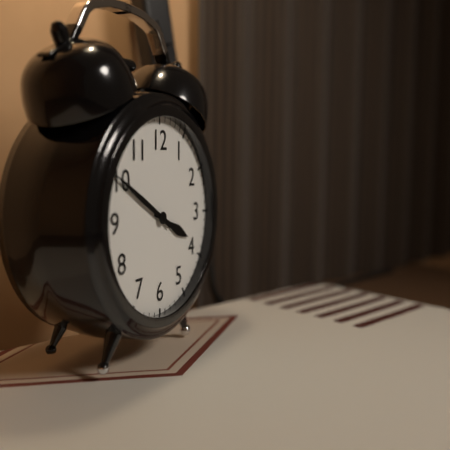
3:50
